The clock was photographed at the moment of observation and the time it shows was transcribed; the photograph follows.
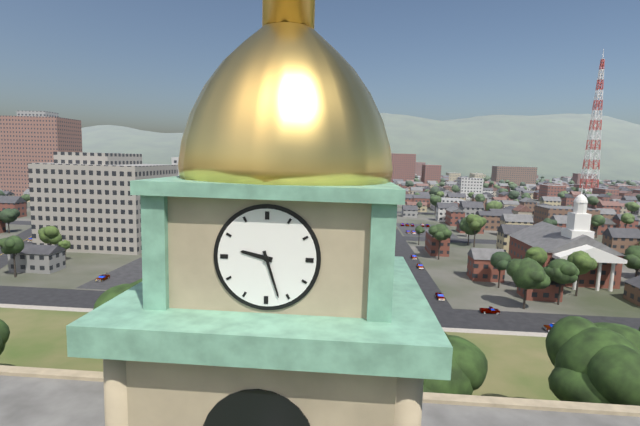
9:27
